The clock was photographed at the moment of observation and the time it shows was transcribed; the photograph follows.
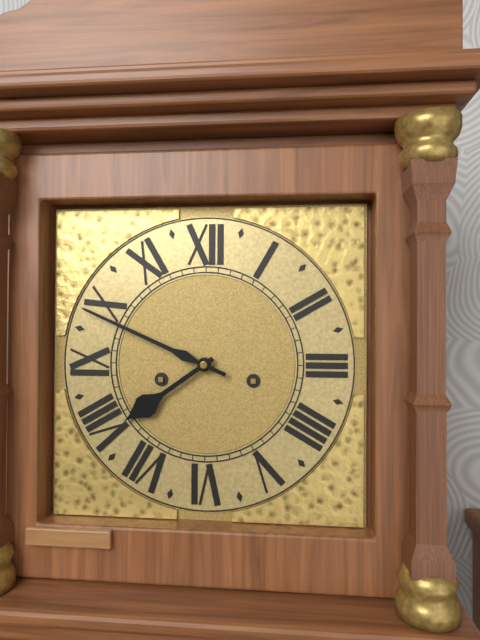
7:49
